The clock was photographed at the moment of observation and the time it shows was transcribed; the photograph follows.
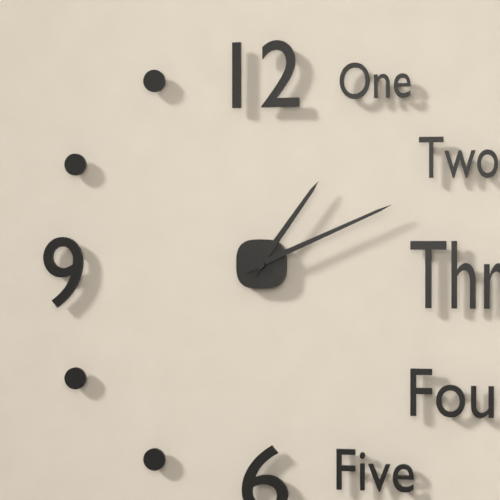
1:11
